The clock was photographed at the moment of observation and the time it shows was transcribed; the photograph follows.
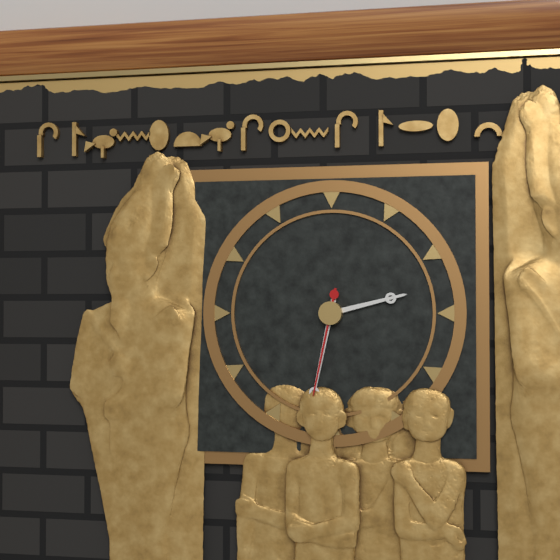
2:32:32
